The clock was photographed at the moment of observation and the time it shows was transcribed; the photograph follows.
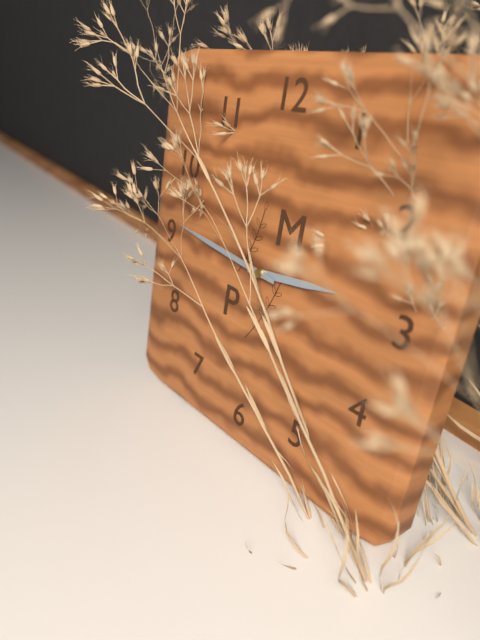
2:46
